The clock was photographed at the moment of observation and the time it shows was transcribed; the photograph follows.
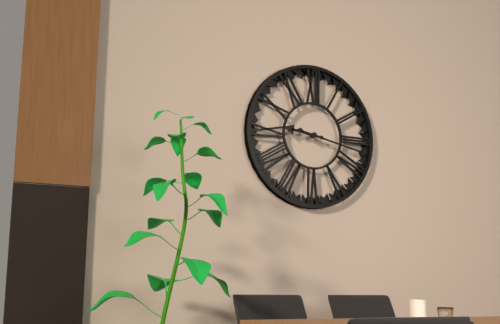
9:17
